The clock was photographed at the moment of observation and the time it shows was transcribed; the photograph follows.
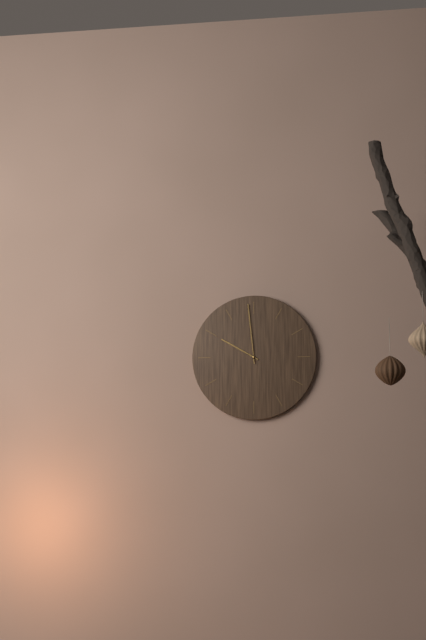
9:59
